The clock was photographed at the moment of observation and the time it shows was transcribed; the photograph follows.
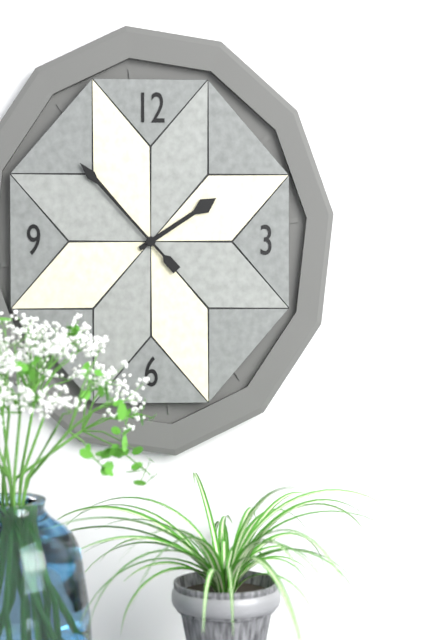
1:53
